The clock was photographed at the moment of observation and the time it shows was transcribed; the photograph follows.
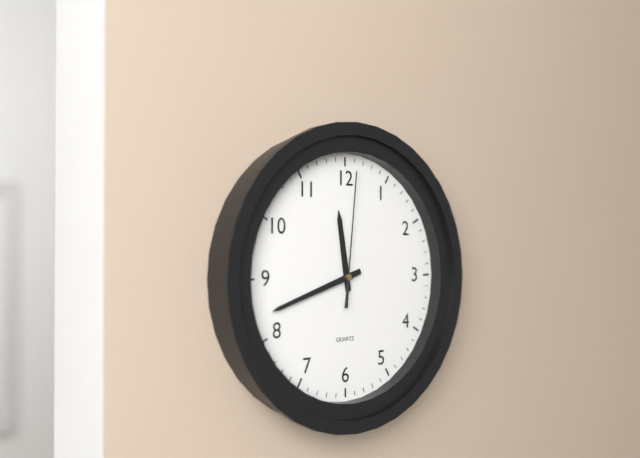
11:42:01
